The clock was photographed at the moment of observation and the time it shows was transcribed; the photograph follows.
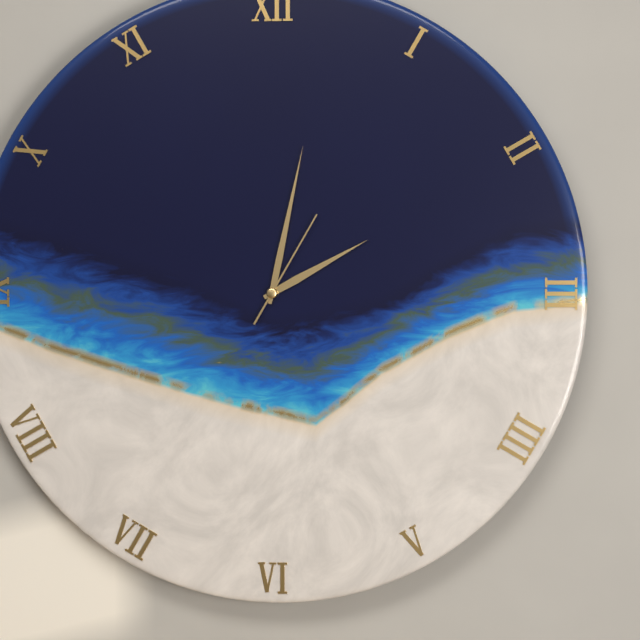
2:02:05
